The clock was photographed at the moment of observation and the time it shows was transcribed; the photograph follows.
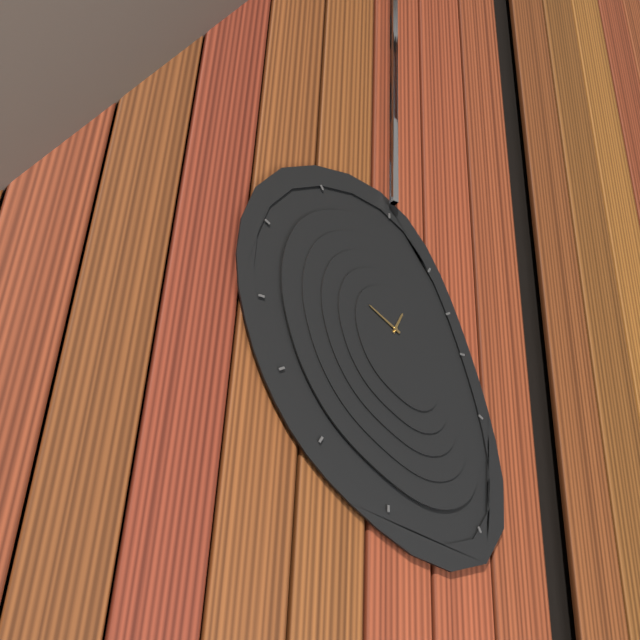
12:50
